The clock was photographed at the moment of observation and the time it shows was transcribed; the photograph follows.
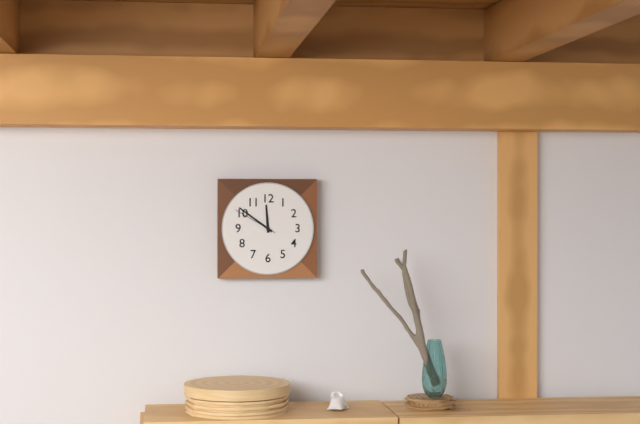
11:51
